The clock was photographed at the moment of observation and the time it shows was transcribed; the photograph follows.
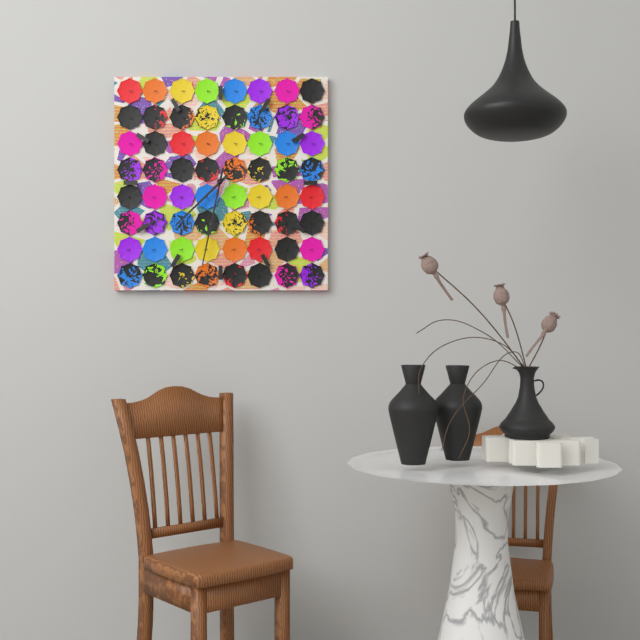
7:32
